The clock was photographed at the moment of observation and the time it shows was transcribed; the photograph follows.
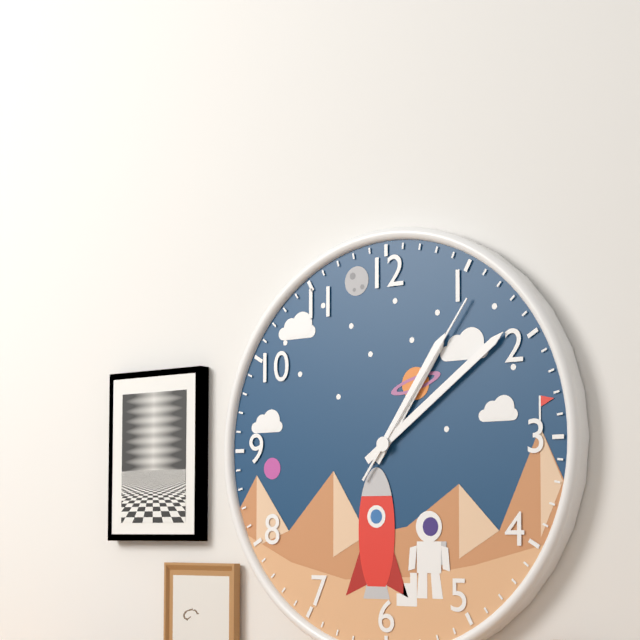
1:09:06
